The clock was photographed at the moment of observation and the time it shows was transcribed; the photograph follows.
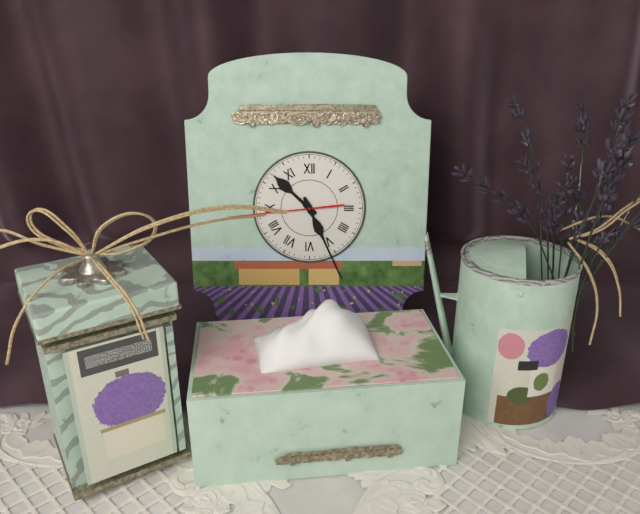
10:26:44
